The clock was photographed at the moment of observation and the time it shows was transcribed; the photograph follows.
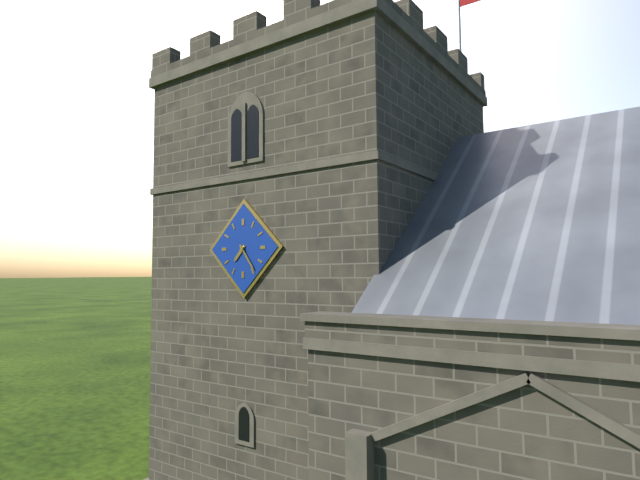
7:24
